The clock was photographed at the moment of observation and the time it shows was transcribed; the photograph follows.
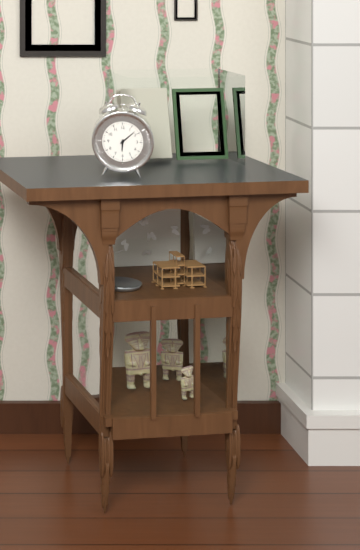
6:08
